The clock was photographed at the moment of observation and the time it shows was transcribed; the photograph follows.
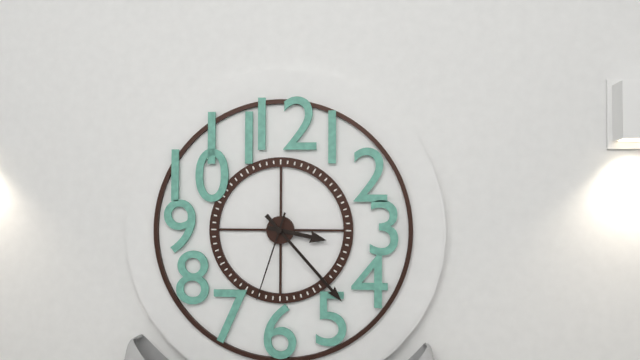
3:23:33
